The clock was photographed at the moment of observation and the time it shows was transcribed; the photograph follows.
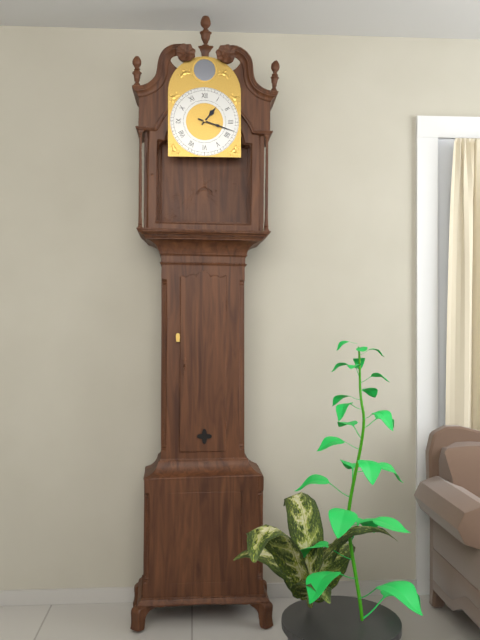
1:18
